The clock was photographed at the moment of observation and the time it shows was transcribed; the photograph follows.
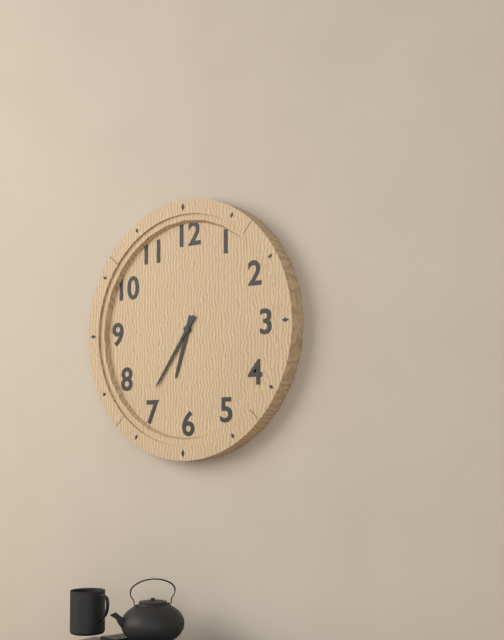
6:36
